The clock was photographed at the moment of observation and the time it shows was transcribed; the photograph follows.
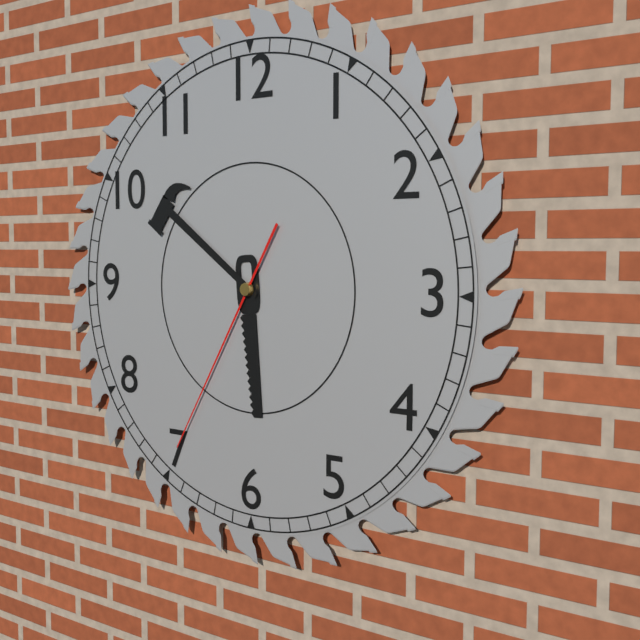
5:51:35
